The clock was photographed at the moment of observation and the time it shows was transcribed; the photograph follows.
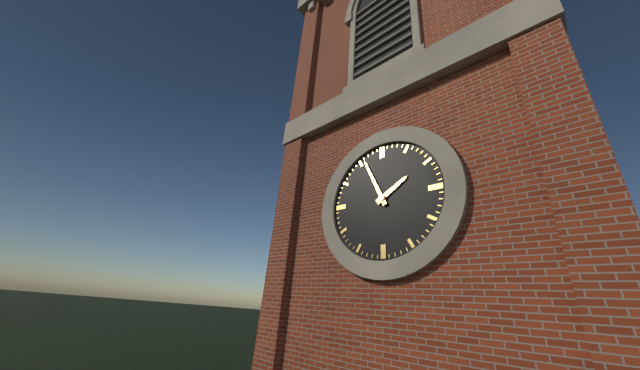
1:56
